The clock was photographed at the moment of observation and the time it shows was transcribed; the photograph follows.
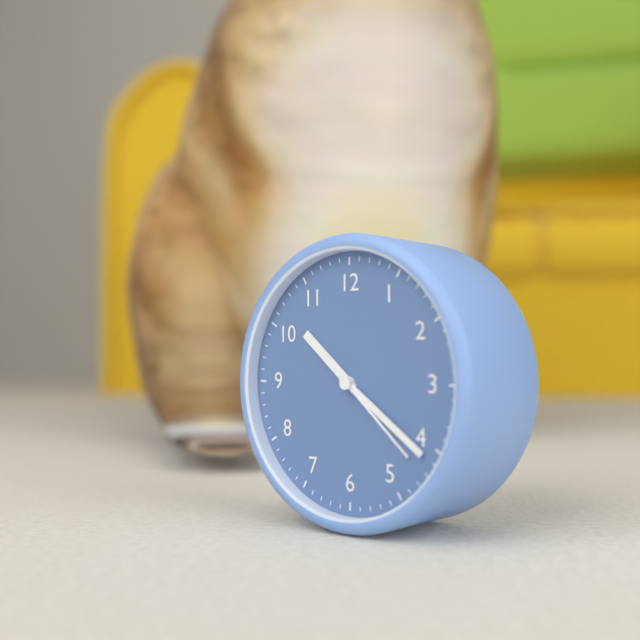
10:21:22
